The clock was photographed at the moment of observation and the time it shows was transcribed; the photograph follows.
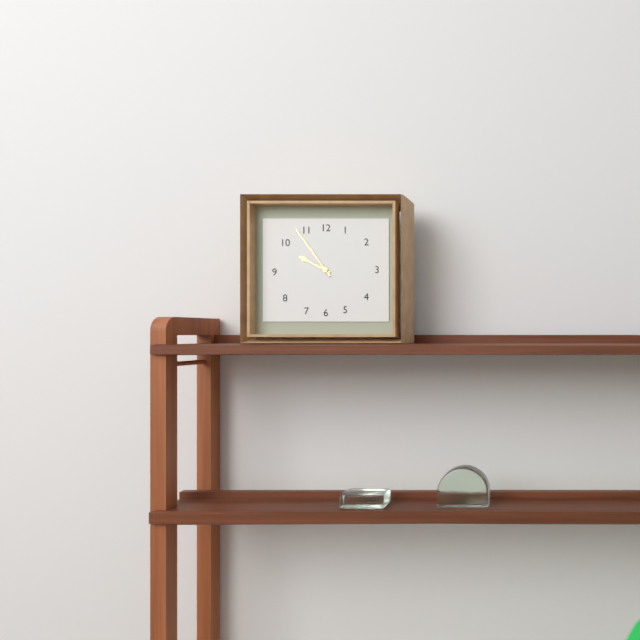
9:54
